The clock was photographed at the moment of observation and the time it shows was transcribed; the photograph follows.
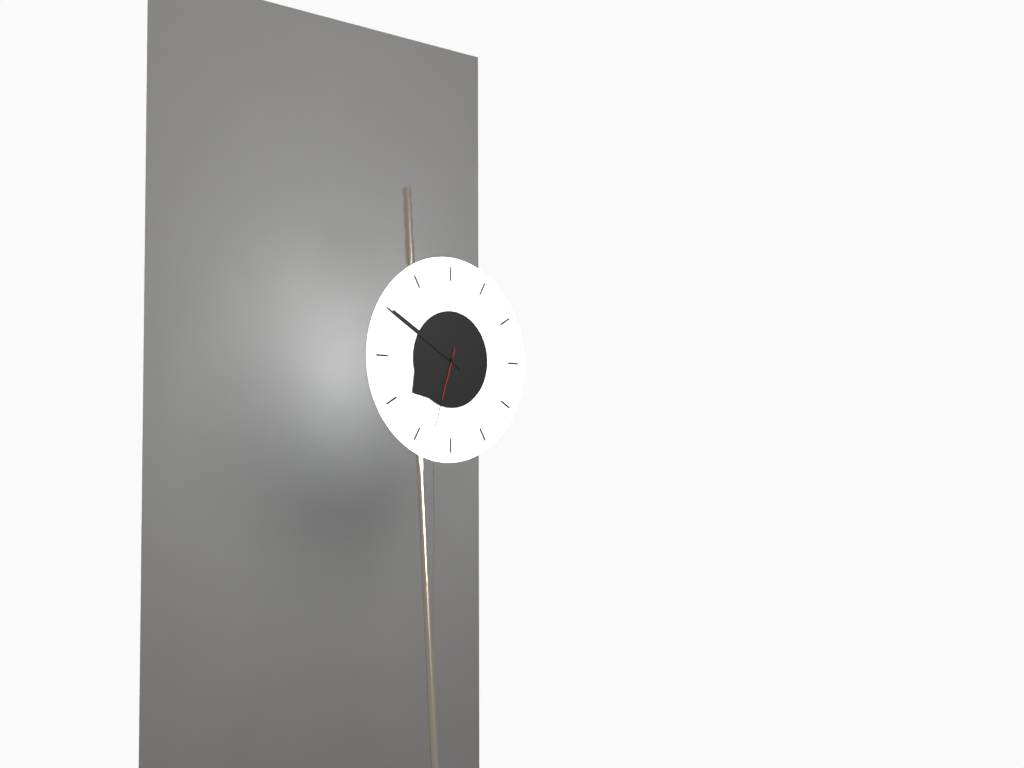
7:50:33
